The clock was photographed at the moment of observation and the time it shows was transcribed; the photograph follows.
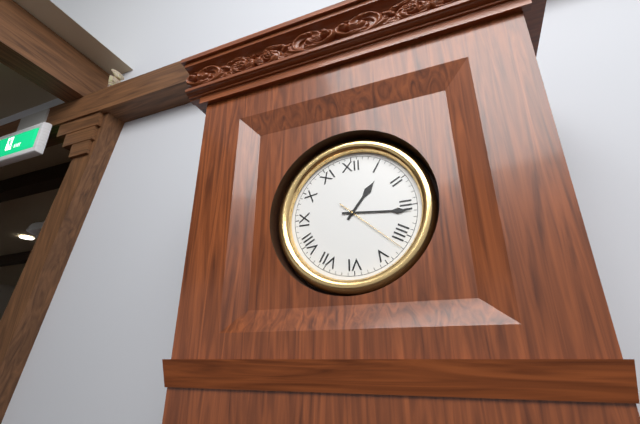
1:16:22
